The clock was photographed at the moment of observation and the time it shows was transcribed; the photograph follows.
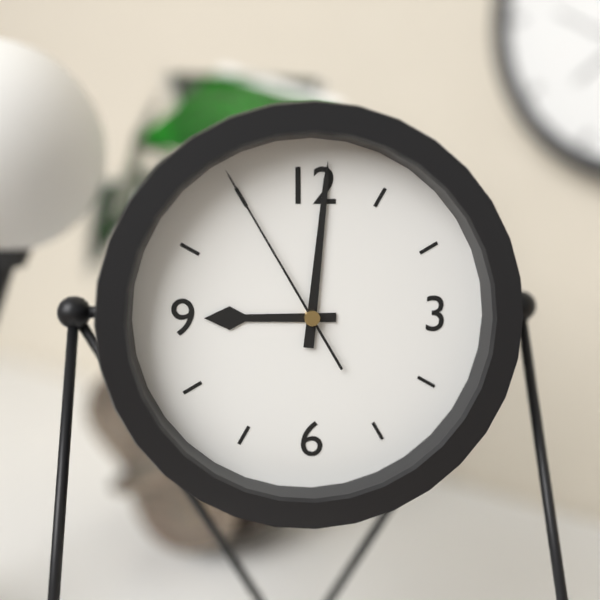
9:01:55
